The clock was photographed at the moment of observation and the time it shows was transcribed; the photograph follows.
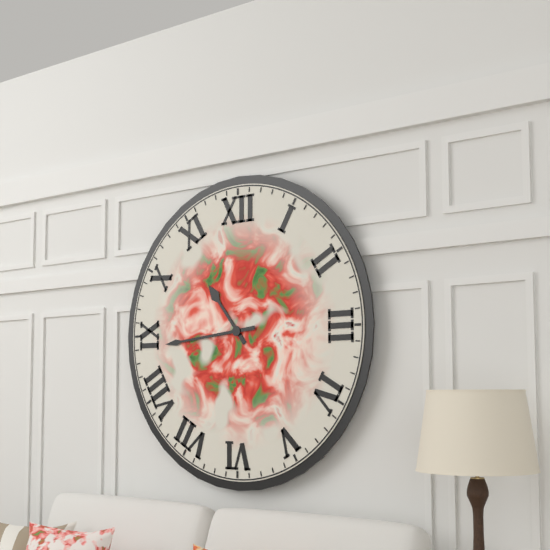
10:44
